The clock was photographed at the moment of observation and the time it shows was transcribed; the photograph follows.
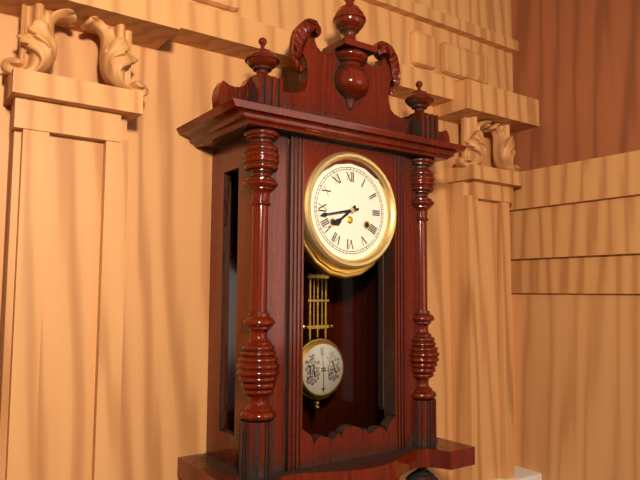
7:43
